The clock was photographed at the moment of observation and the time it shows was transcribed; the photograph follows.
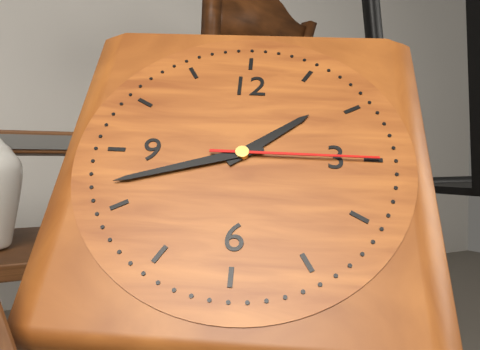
1:42:15
